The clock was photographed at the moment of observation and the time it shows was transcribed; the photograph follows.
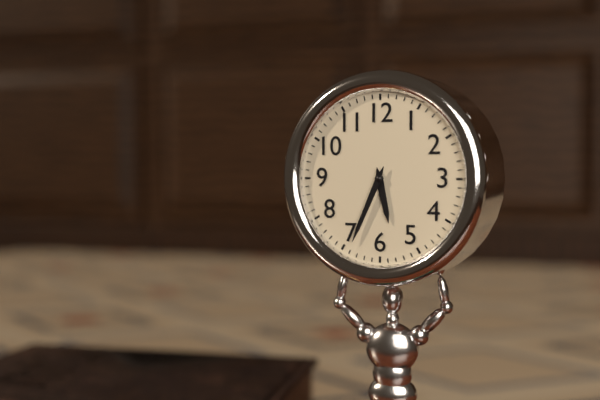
5:34
